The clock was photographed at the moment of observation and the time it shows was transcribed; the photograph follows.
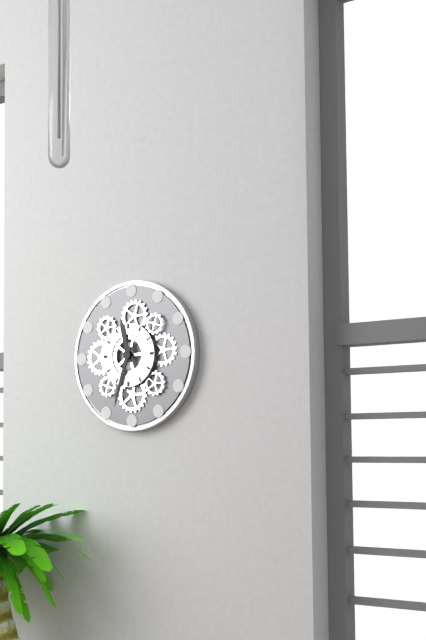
11:33
